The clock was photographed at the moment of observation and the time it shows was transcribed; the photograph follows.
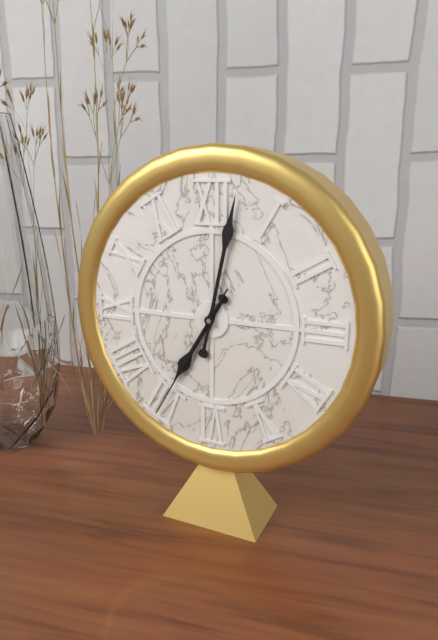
7:02:35
